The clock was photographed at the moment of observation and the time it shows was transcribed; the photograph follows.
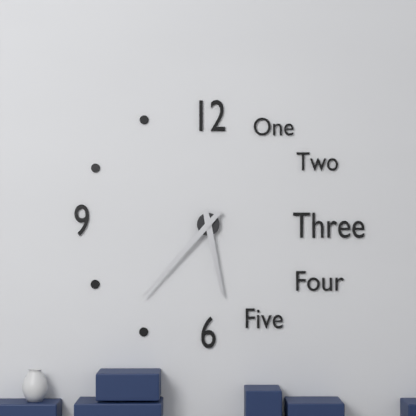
5:37
